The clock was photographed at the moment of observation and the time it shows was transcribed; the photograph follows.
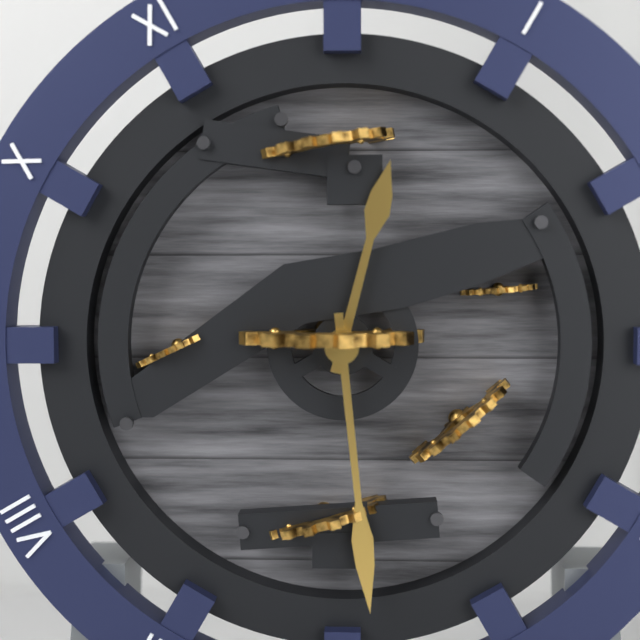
12:29
